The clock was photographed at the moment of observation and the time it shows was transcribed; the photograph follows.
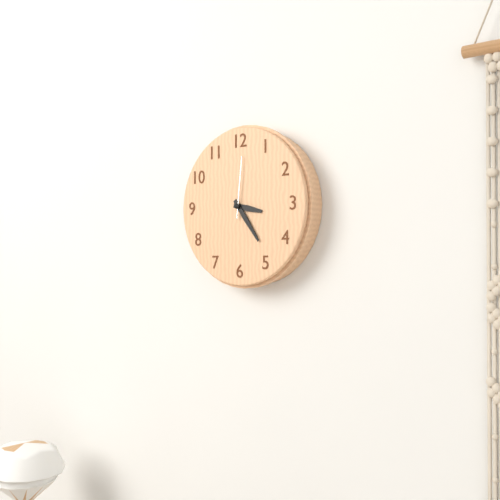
3:24:01
